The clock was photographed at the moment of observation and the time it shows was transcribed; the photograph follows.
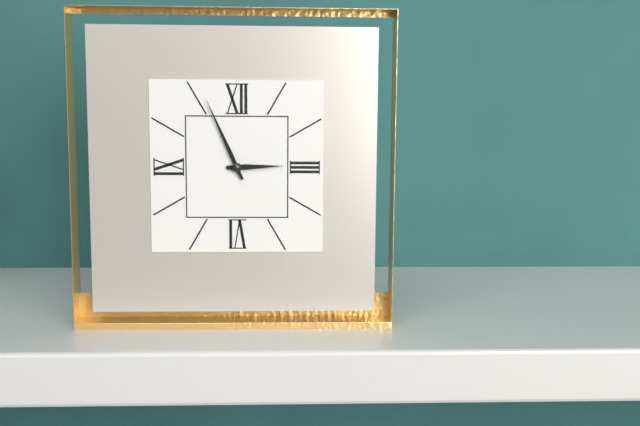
2:56
